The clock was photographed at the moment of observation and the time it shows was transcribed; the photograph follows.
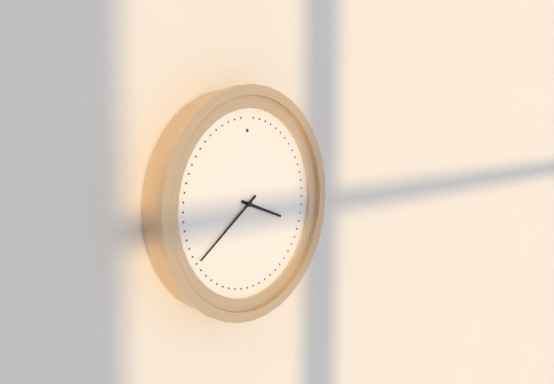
3:39
